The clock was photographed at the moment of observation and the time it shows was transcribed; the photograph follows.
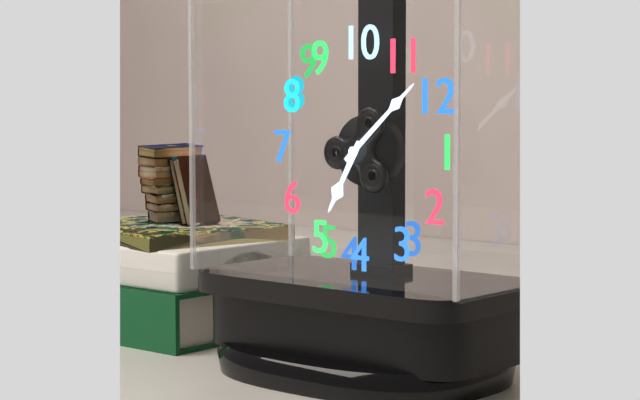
4:58
